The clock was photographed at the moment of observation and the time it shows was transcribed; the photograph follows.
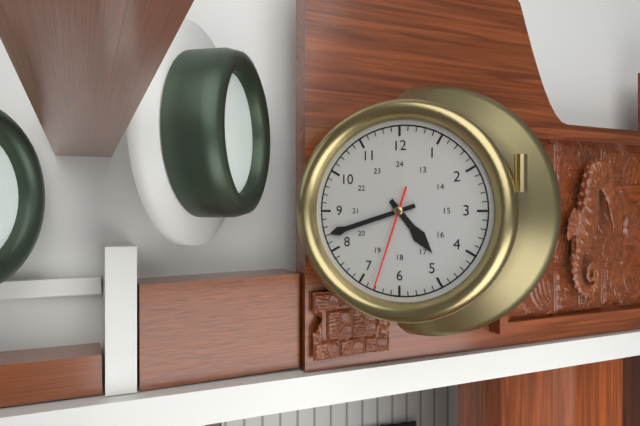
4:42:33
